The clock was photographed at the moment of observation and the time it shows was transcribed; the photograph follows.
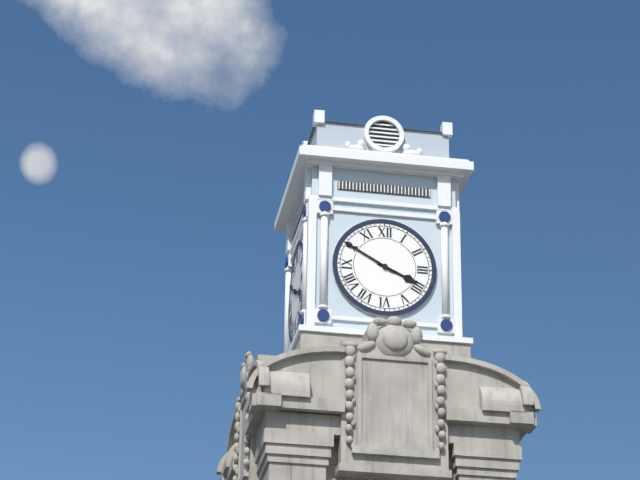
3:50
